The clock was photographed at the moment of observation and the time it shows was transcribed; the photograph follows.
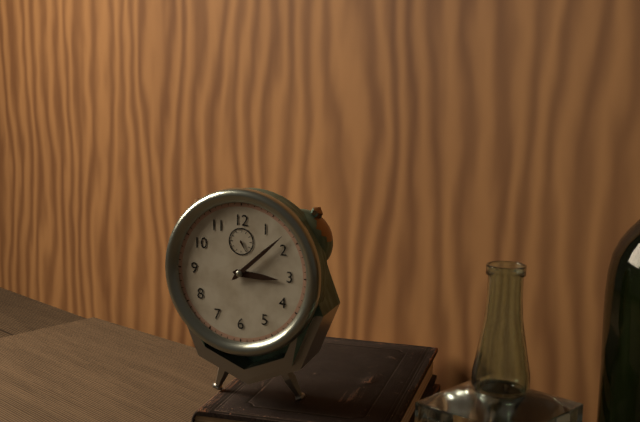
3:08
